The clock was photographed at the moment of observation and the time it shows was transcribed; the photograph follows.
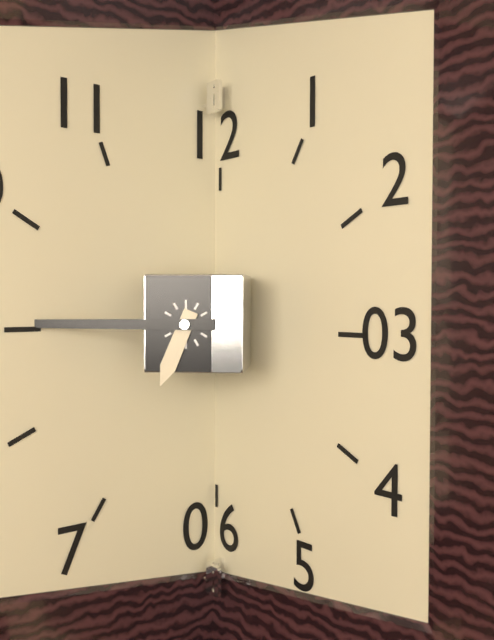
6:45
